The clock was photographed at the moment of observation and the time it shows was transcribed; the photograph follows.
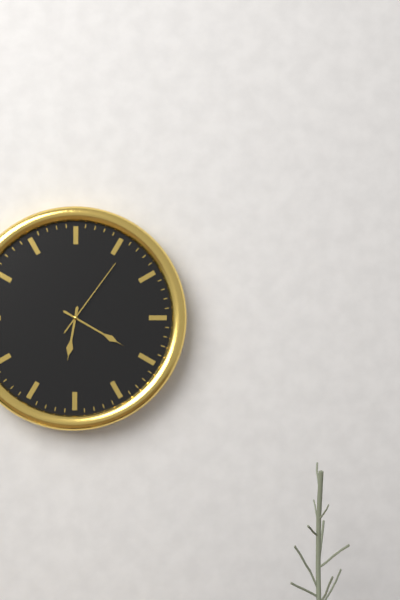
6:20:06
